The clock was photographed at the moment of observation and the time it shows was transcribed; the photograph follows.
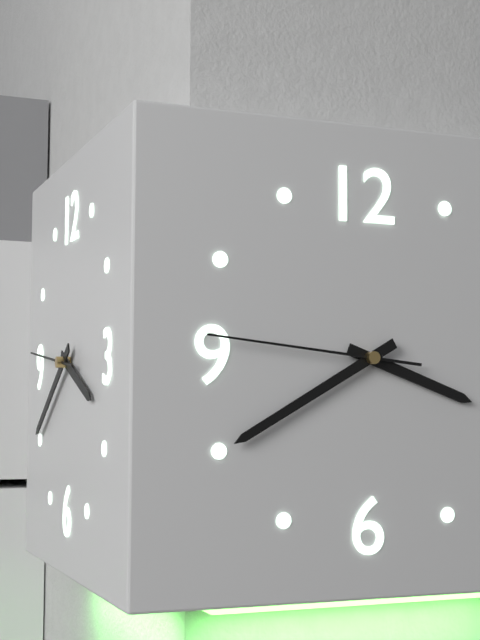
3:40:46
